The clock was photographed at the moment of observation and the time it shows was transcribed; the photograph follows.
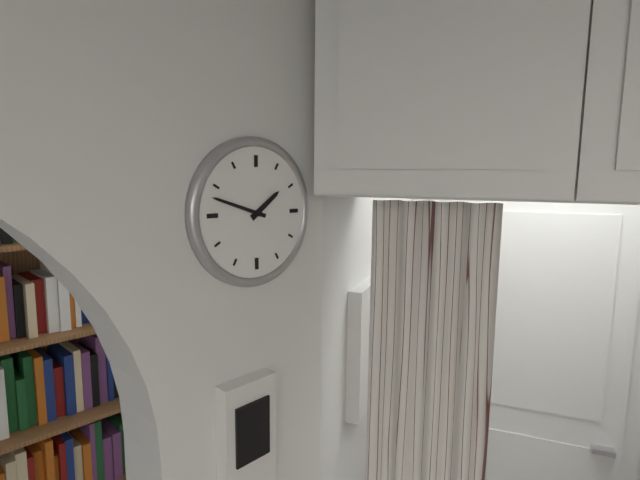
1:48
